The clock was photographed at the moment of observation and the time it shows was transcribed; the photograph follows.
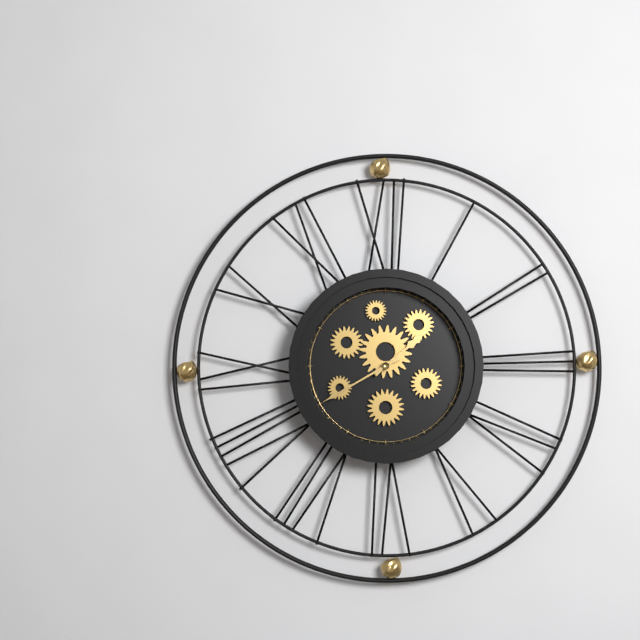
1:40
